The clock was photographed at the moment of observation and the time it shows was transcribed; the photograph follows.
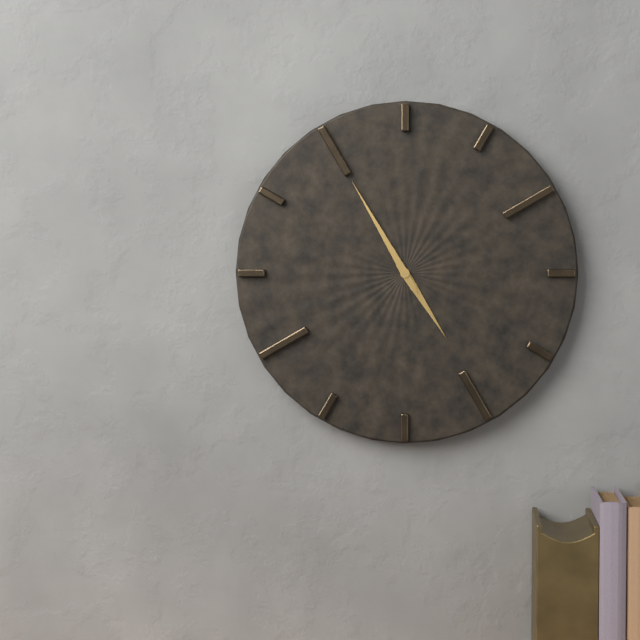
4:55
